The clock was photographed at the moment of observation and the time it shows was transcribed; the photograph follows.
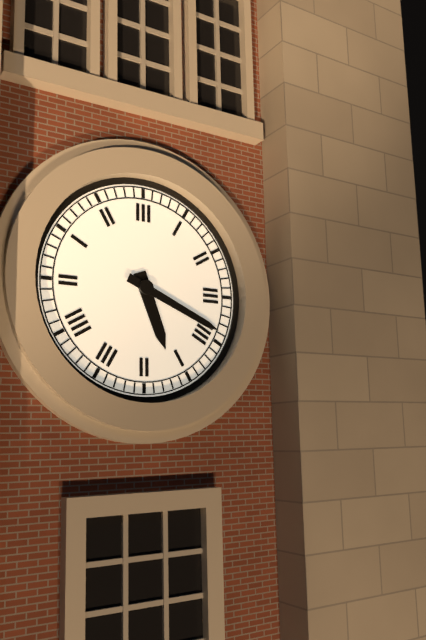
5:19
